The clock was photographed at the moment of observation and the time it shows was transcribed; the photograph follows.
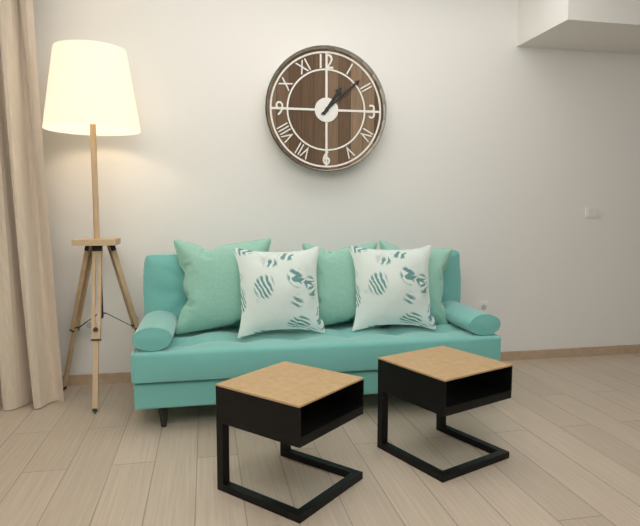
1:08
